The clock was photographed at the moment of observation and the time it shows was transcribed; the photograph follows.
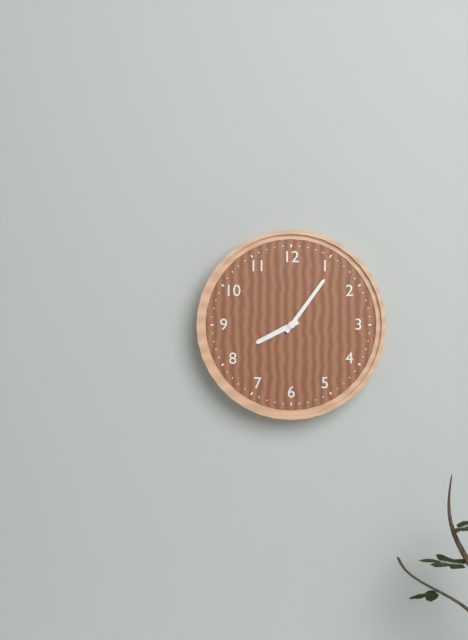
8:06
